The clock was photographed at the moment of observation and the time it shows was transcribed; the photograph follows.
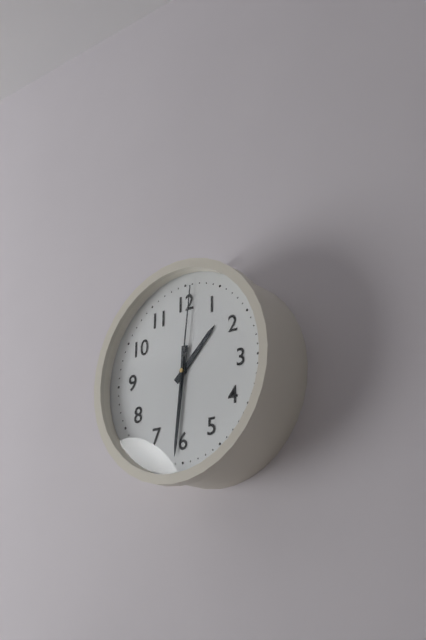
1:31:01
